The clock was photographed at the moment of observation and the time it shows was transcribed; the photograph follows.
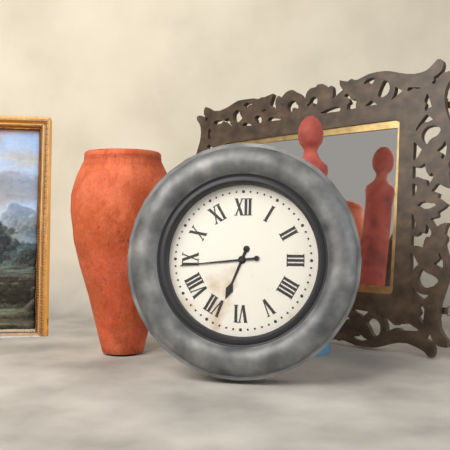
6:44
